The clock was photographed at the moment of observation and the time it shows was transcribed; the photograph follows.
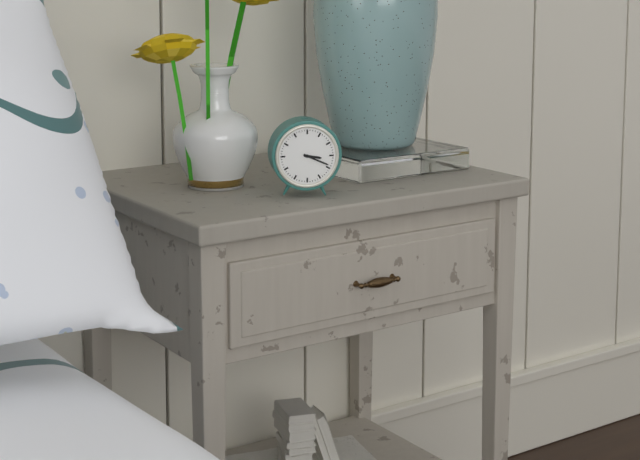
3:19
